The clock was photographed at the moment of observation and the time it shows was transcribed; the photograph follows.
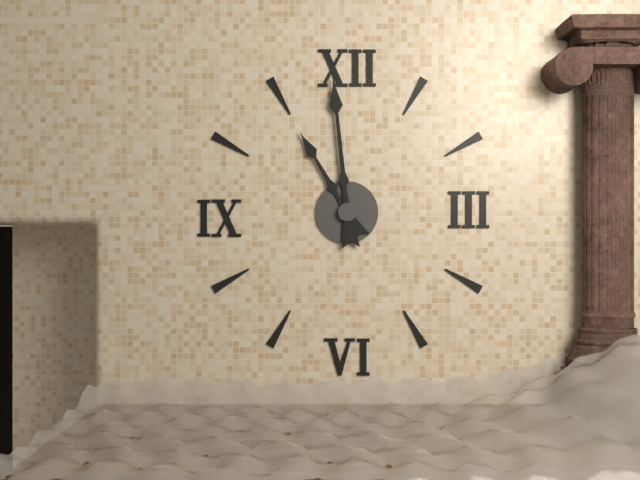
10:59
